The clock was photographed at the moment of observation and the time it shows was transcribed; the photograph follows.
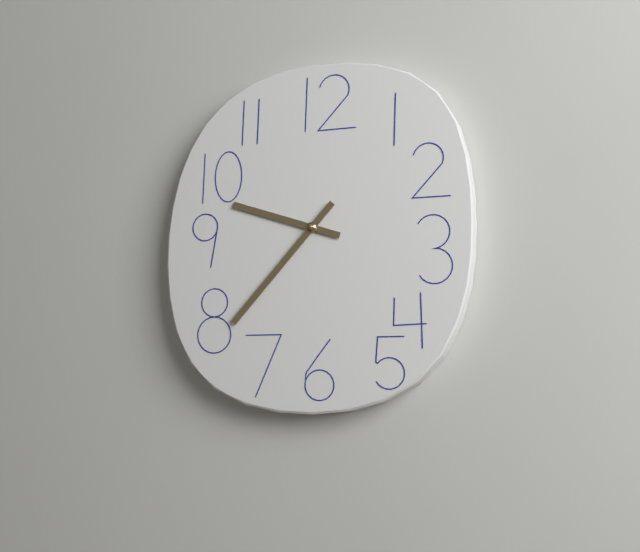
9:37
